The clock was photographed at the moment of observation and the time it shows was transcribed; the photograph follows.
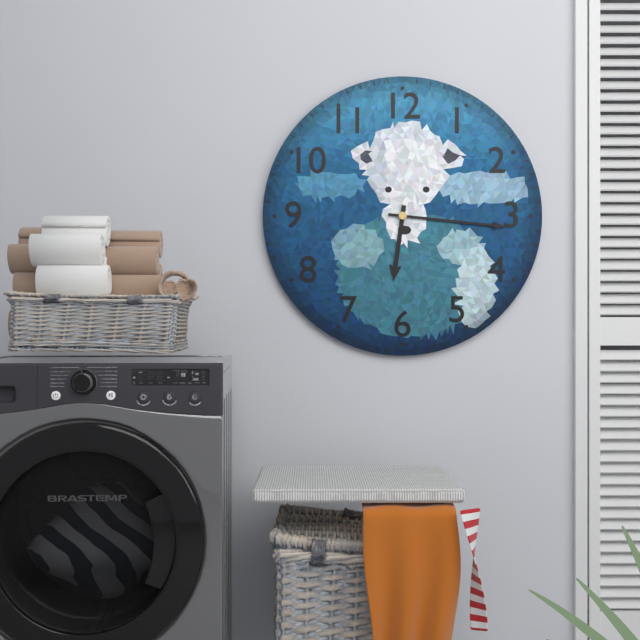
6:16
